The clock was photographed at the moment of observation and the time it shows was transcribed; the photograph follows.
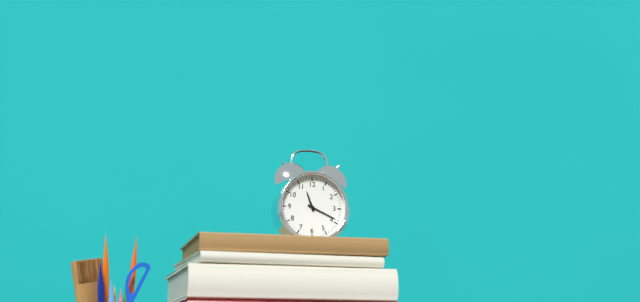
11:19
